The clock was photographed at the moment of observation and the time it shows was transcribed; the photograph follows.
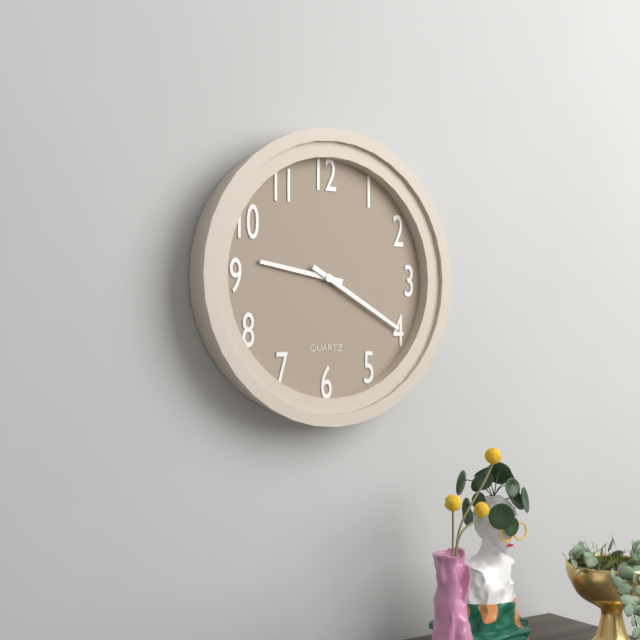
9:20
